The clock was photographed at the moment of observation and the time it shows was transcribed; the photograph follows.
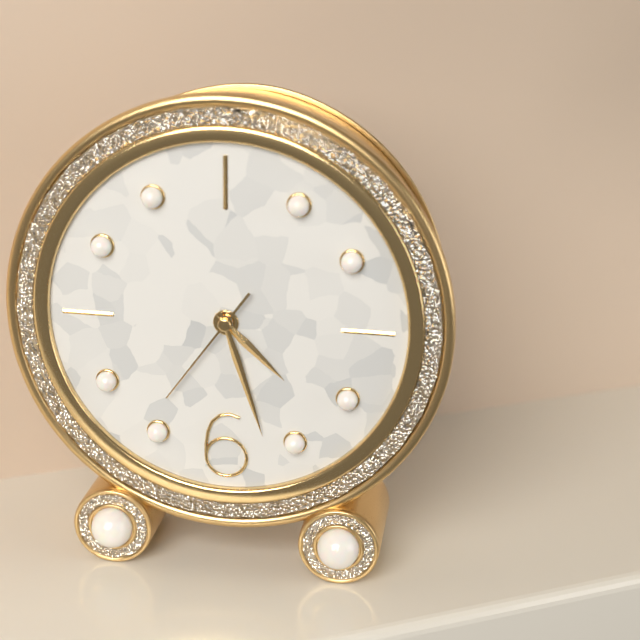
4:27:36
